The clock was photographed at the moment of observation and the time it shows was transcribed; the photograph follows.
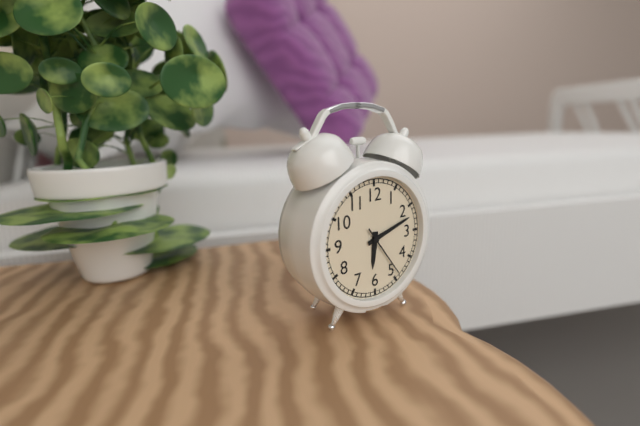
6:12:24
